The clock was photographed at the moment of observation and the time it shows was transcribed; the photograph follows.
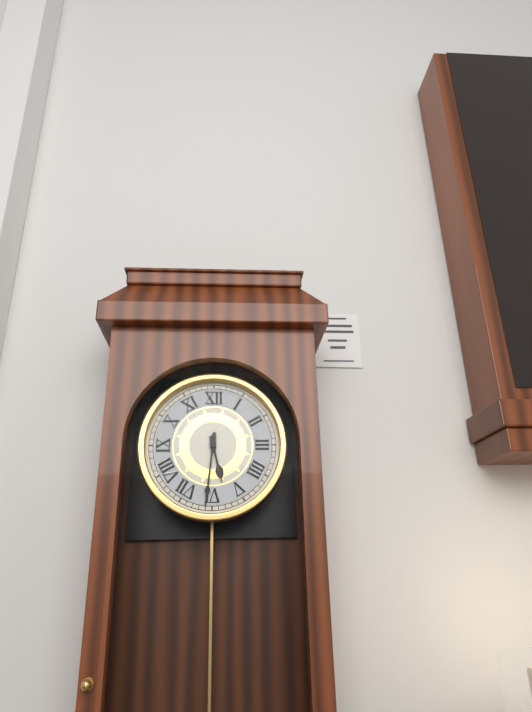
5:31
